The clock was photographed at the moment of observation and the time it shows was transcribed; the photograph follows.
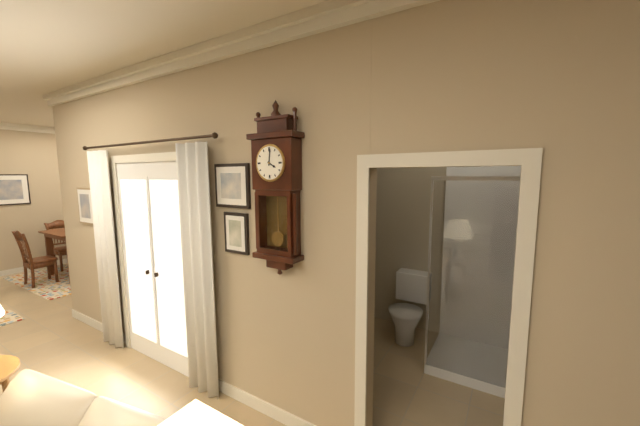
4:01
